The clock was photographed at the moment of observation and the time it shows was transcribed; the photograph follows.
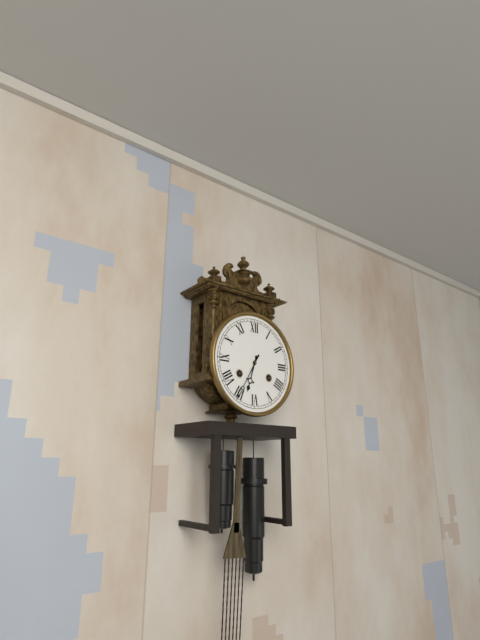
6:35
